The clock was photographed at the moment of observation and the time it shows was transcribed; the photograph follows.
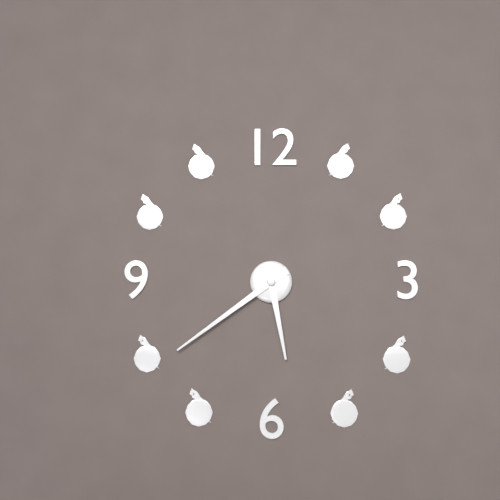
5:39
